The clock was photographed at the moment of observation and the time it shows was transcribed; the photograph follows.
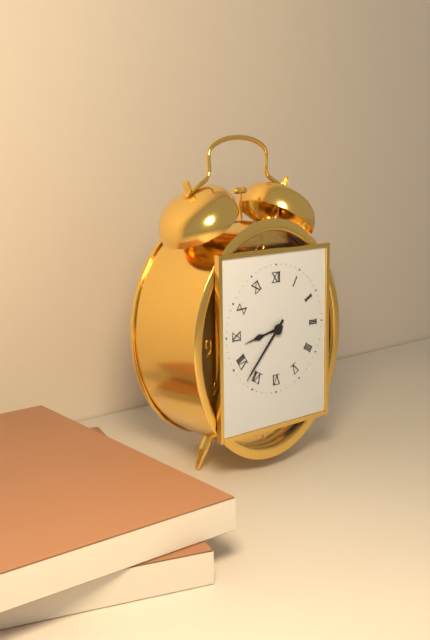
8:37
